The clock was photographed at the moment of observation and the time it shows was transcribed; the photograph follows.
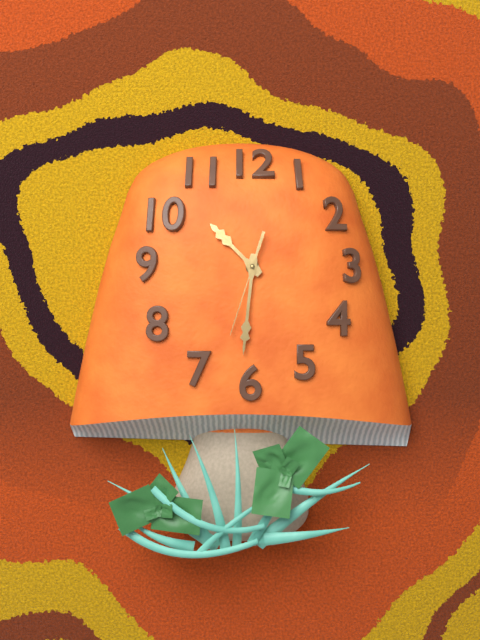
10:31:33
